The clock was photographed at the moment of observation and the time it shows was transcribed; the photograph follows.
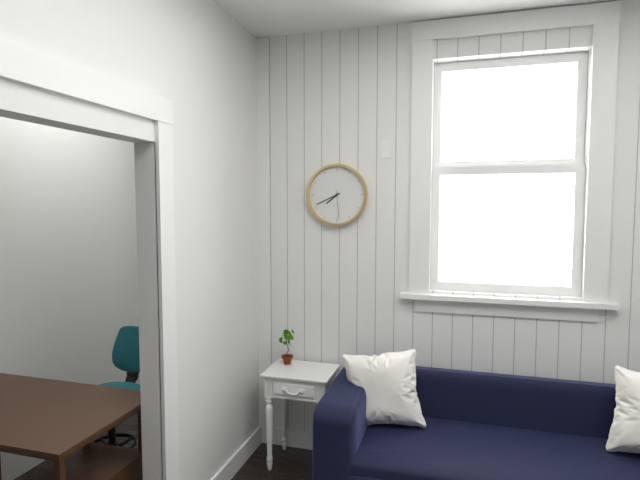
7:41
